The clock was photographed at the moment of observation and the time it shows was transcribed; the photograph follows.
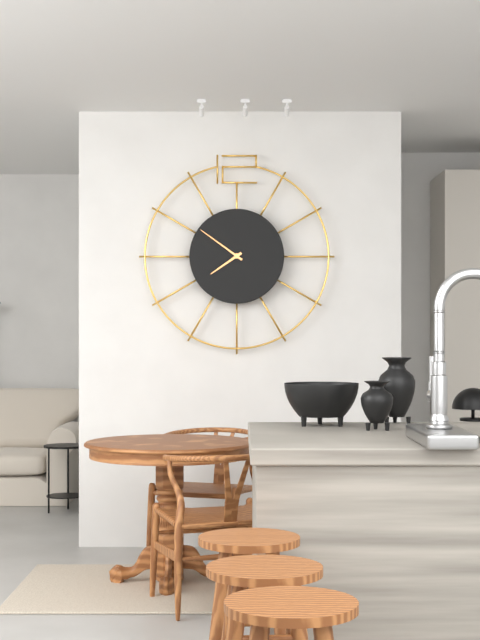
7:51
